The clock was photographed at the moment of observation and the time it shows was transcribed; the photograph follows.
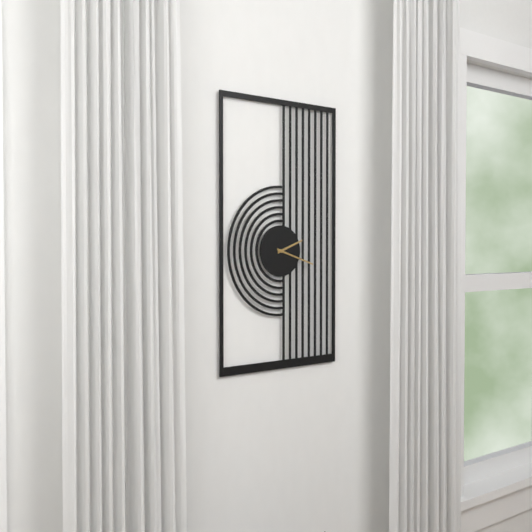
2:18
